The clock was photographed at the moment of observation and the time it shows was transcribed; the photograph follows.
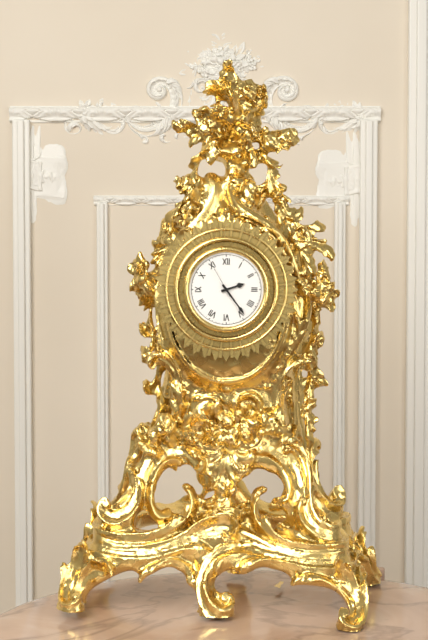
2:24
